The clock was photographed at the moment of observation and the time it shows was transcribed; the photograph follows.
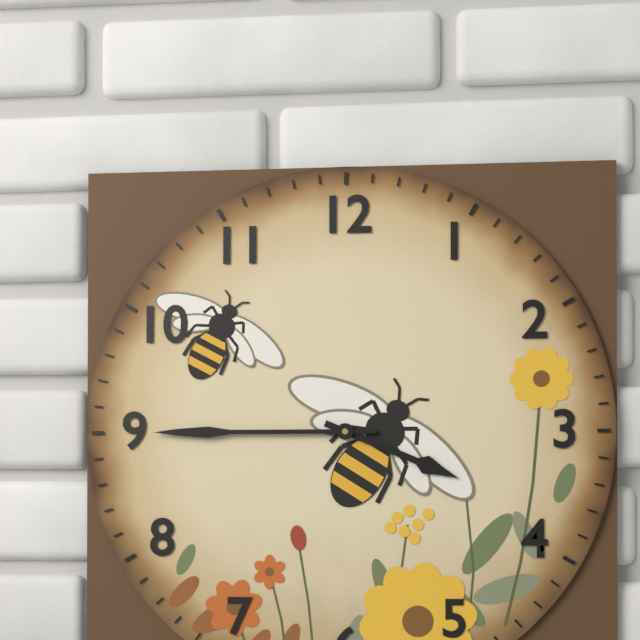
3:45
